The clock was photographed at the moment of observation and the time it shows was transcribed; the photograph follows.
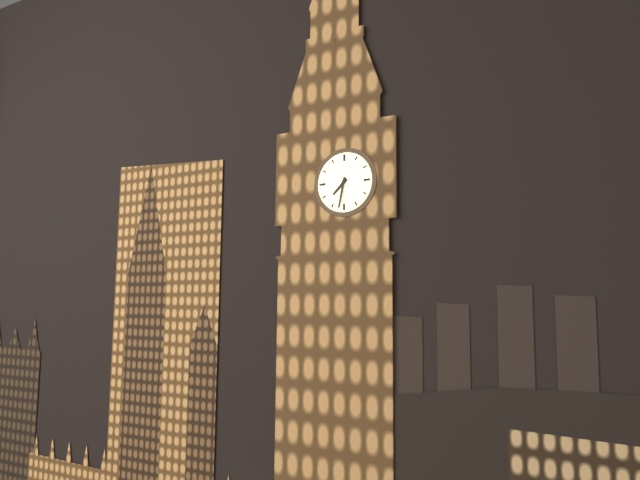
7:32
